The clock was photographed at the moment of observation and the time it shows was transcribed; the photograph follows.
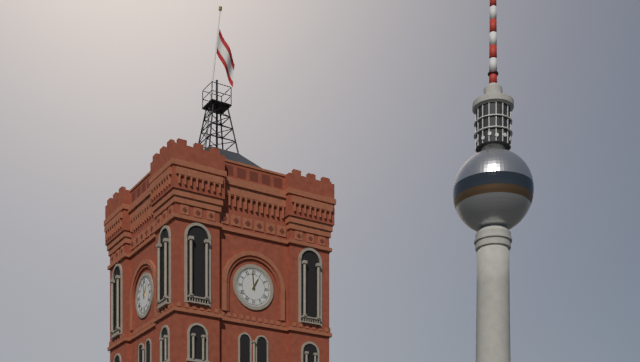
12:59
